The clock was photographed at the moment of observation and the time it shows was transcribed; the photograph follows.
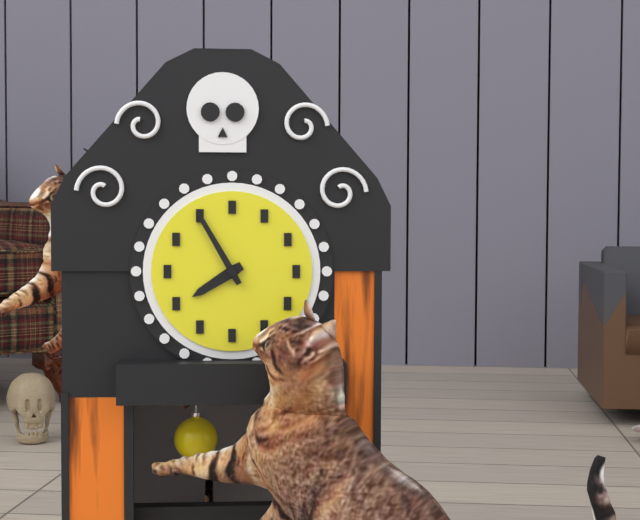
7:55
